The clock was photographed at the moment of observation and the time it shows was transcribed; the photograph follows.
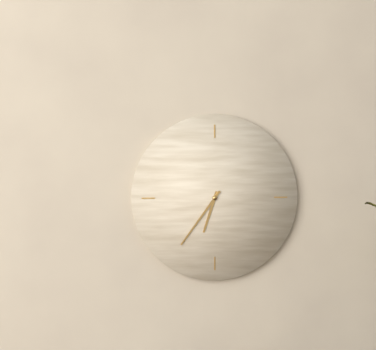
6:36
